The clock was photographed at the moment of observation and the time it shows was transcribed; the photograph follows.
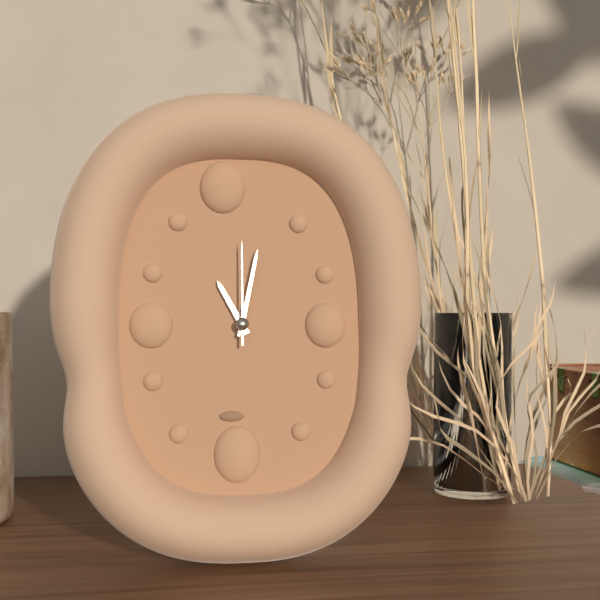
11:02:00
